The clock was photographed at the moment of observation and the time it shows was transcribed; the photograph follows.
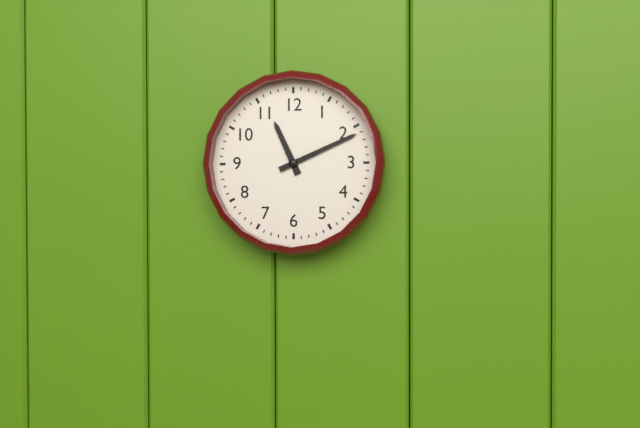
11:11
